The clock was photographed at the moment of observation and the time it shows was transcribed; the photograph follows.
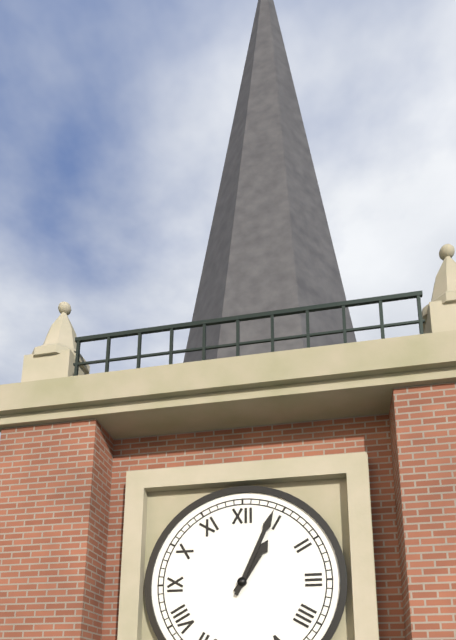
1:04
